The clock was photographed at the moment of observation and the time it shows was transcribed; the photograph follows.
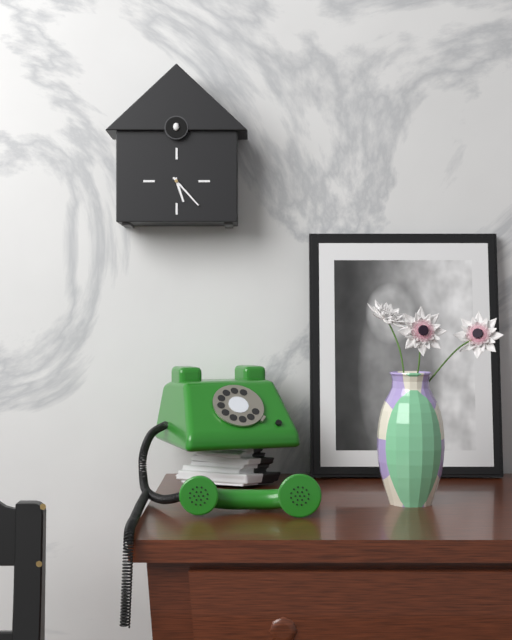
5:23
